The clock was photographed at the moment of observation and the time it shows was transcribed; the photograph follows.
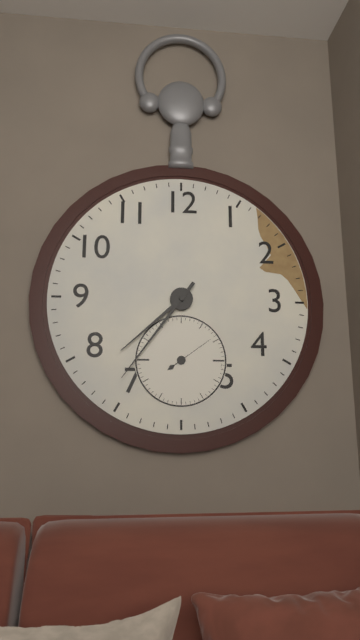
7:36
